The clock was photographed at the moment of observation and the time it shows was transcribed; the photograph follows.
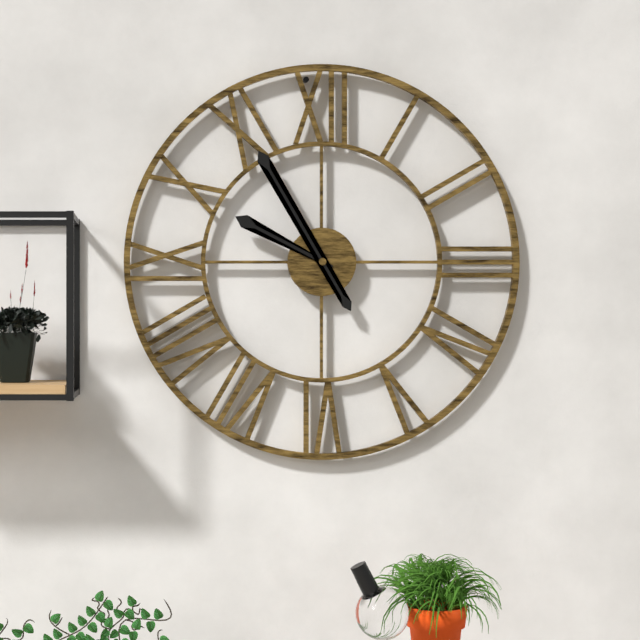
9:55
